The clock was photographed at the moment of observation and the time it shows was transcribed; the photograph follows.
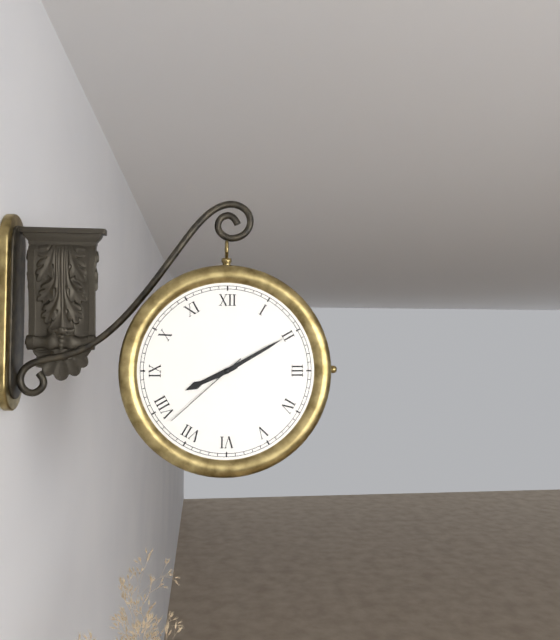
8:10:38
